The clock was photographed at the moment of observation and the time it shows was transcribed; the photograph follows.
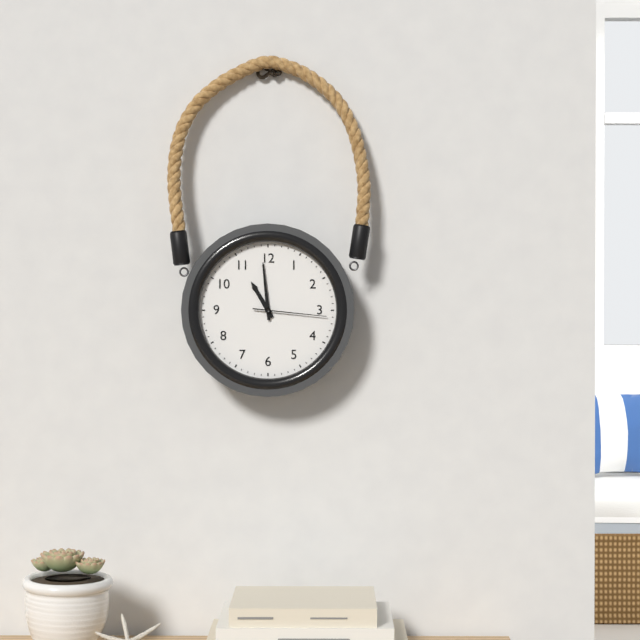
10:59:16
